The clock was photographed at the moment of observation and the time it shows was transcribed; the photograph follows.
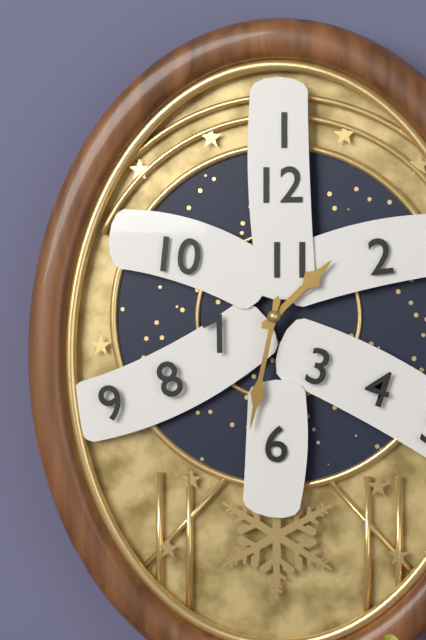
1:32
